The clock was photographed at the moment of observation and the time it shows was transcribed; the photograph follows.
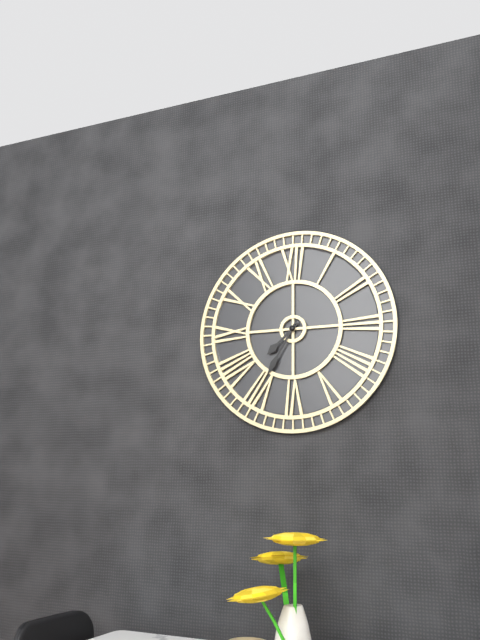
7:35
